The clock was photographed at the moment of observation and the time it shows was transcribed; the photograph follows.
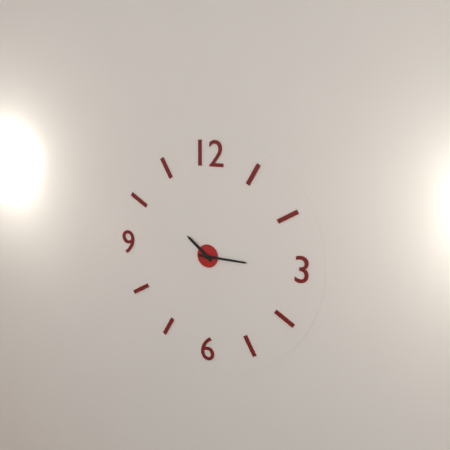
10:15
